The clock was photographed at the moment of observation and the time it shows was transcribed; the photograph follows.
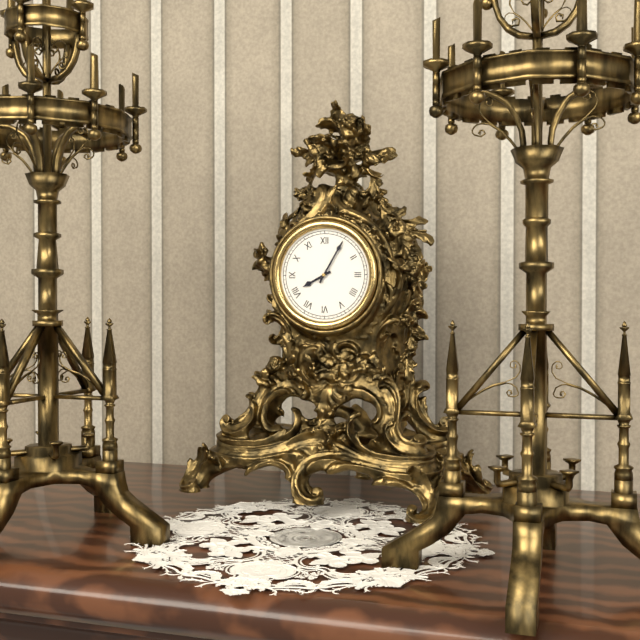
8:05
